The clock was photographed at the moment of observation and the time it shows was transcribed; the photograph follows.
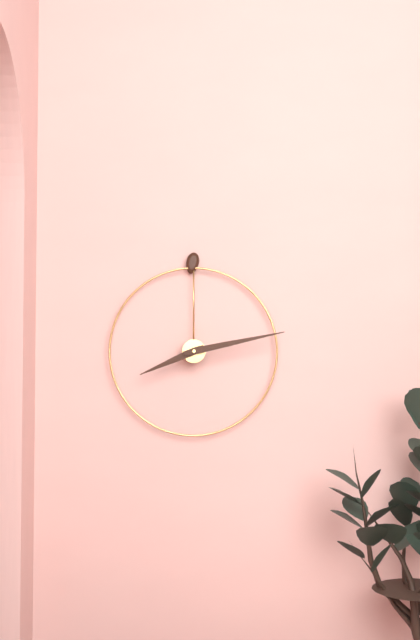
8:13
